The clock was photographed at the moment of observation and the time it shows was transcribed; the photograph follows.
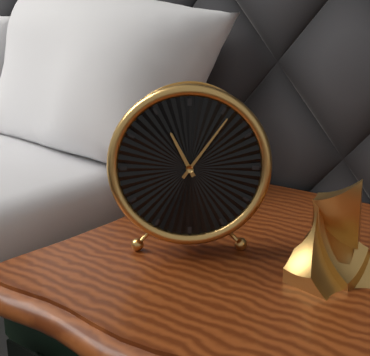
11:06
